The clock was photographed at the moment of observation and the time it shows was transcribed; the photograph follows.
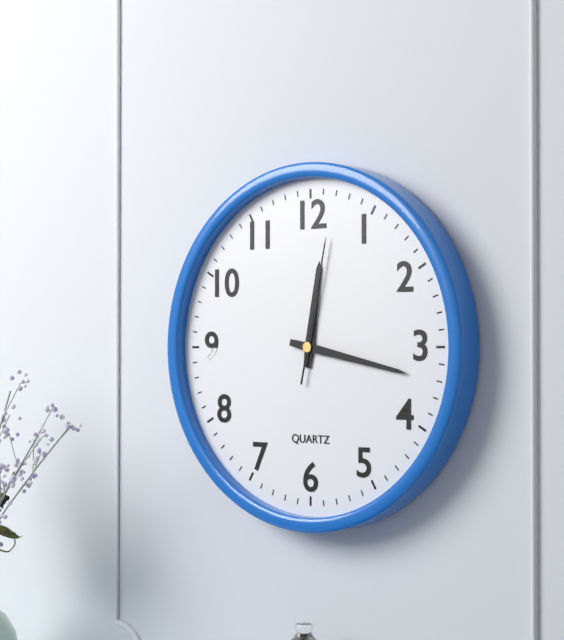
12:17:02
